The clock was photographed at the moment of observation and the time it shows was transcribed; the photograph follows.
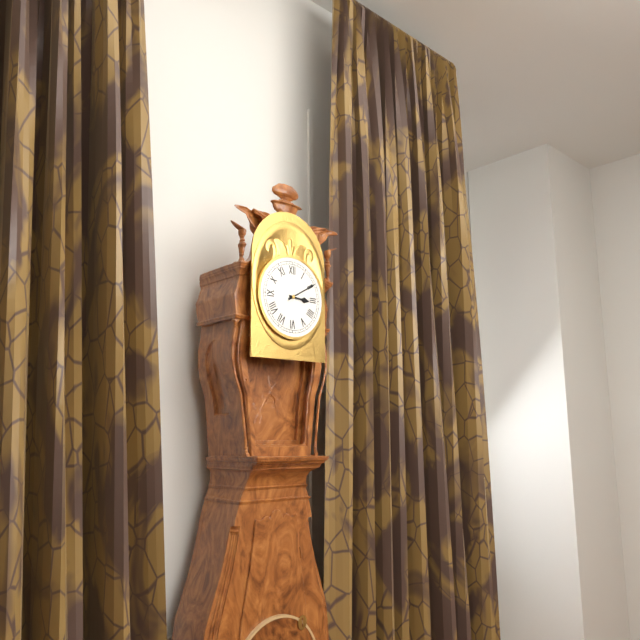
3:10
